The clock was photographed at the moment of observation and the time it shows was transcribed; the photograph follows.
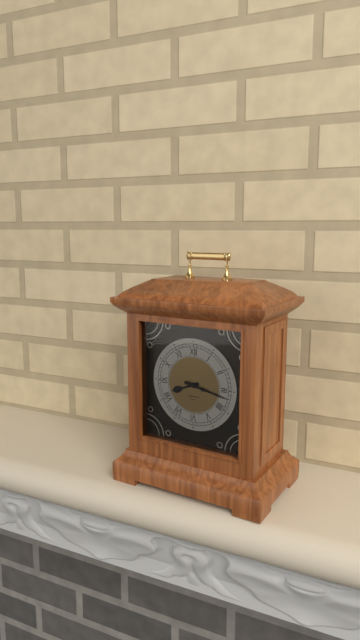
8:17
